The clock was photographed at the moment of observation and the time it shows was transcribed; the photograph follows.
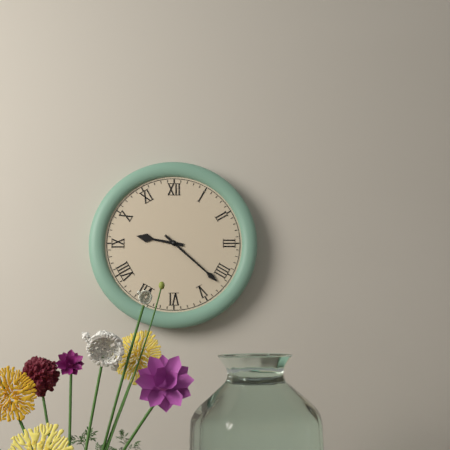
9:22
